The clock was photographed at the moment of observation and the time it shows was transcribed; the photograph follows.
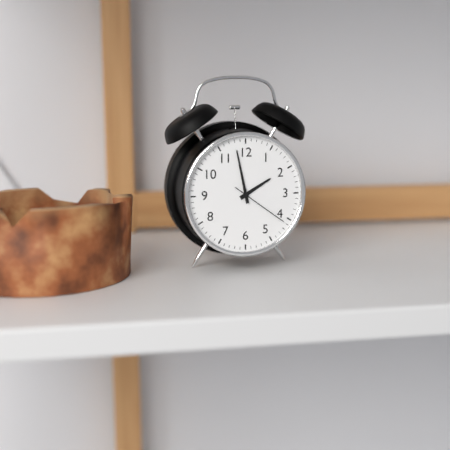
1:58:21
